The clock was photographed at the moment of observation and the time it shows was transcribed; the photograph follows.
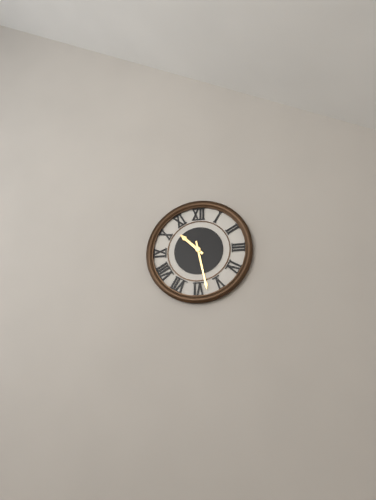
10:28
